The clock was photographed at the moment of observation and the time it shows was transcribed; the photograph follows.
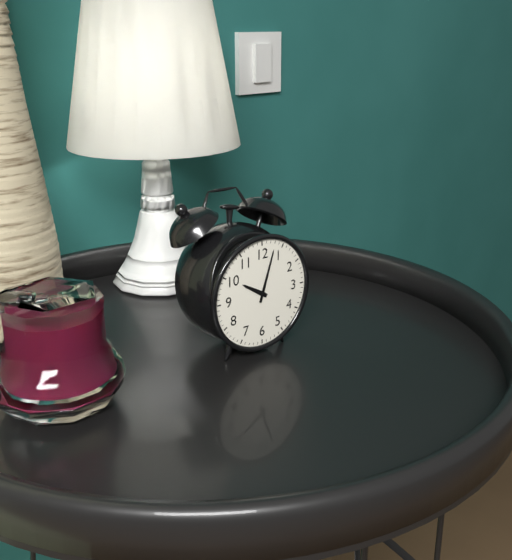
10:03
